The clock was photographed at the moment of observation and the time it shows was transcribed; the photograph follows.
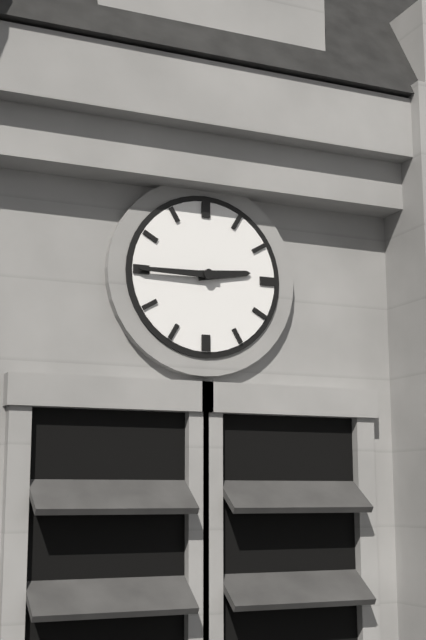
2:45
